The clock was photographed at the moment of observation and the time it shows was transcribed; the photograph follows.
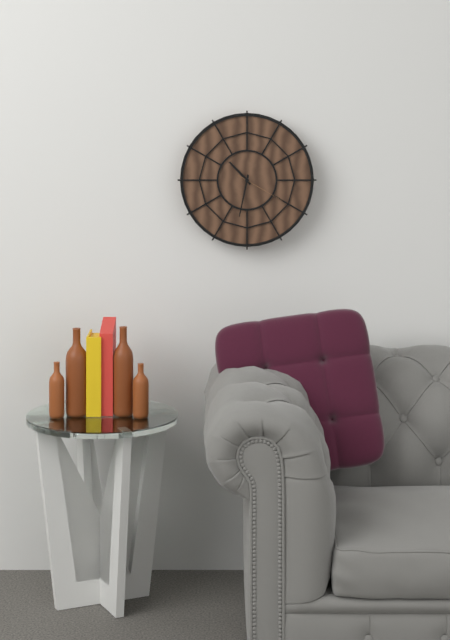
10:32:20
